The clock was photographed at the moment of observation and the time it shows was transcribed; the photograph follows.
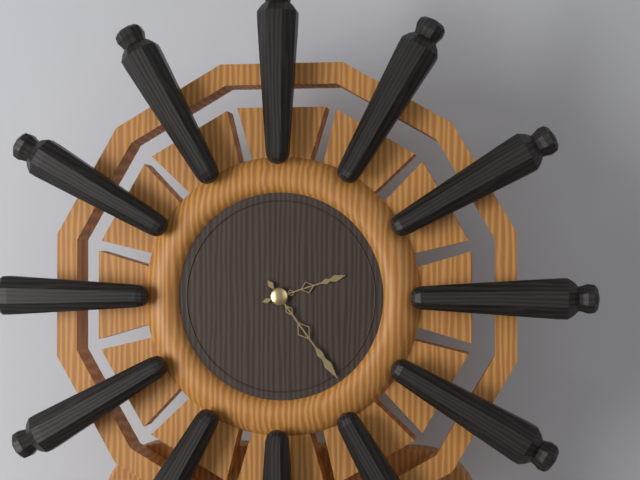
2:24
